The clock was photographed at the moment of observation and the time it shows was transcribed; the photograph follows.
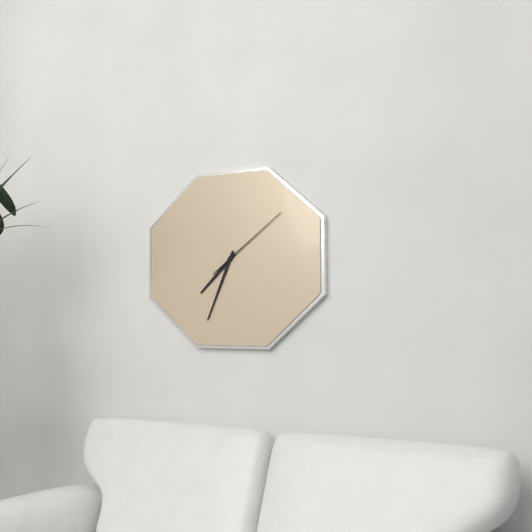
7:34:09
